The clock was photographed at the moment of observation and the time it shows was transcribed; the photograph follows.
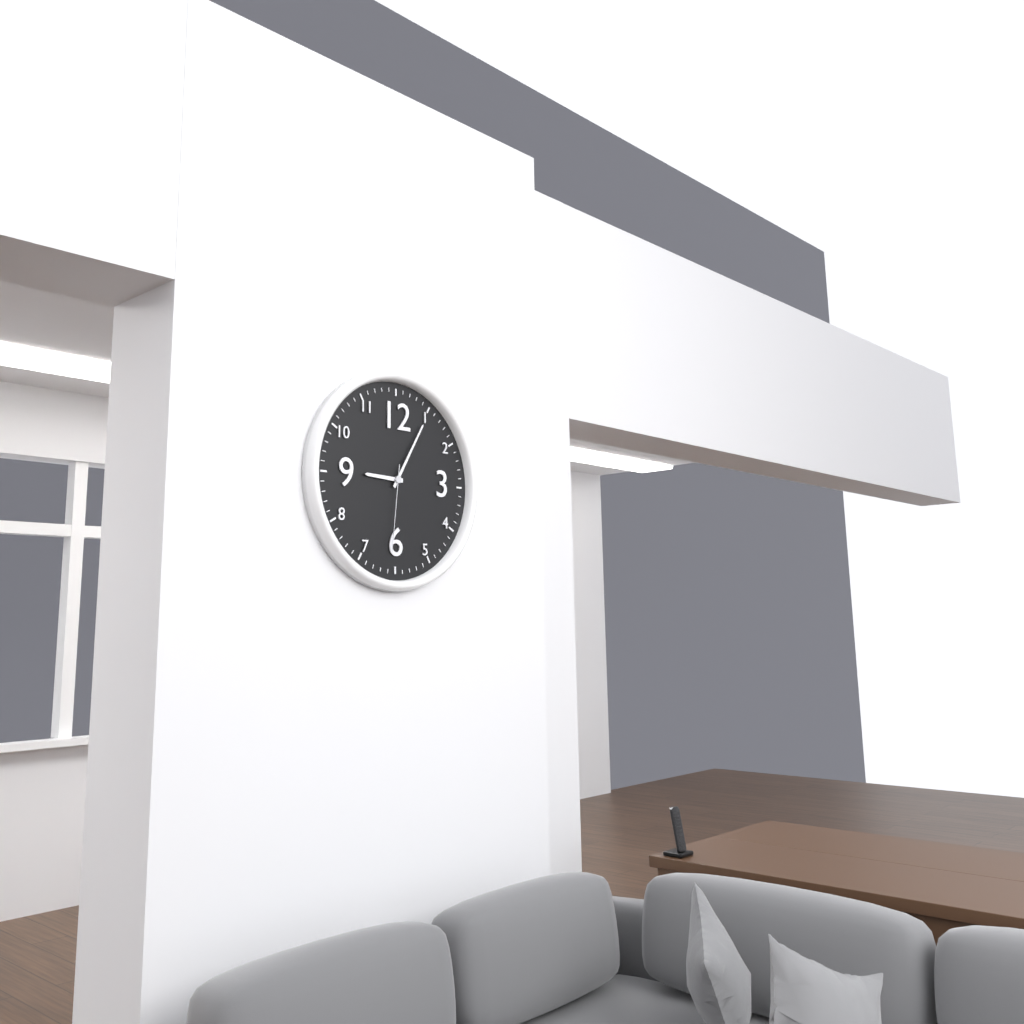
9:05:31
